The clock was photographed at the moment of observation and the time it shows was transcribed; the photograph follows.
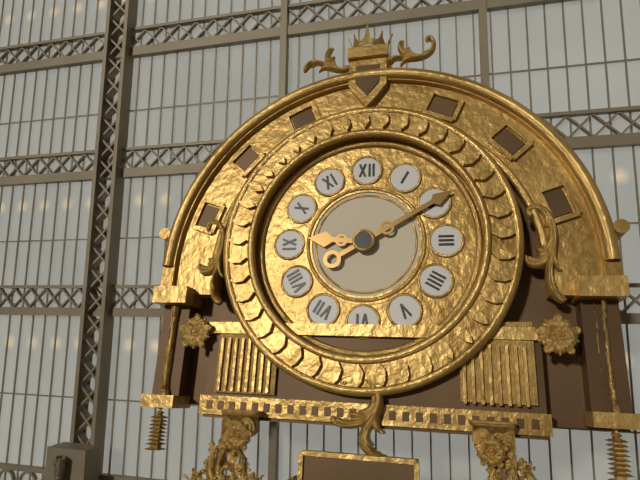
9:10
